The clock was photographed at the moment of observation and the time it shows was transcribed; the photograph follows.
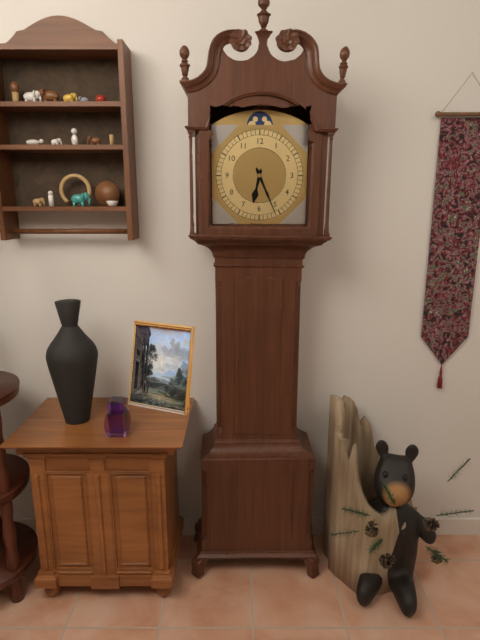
6:26
